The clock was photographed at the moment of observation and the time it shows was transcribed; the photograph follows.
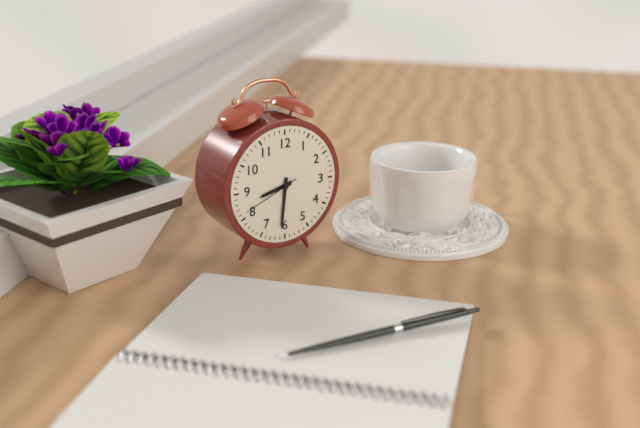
8:31:41
